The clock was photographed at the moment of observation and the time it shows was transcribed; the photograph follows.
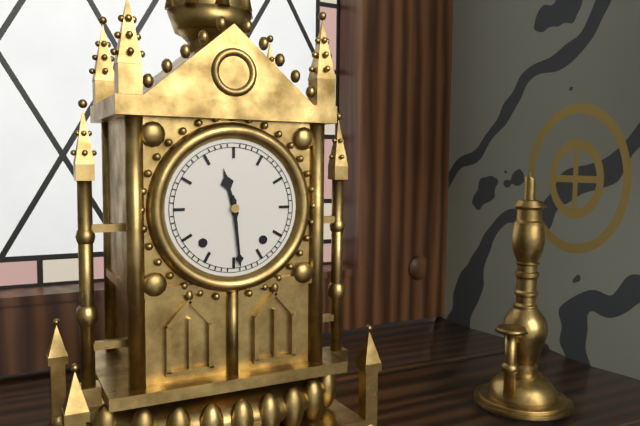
11:29
